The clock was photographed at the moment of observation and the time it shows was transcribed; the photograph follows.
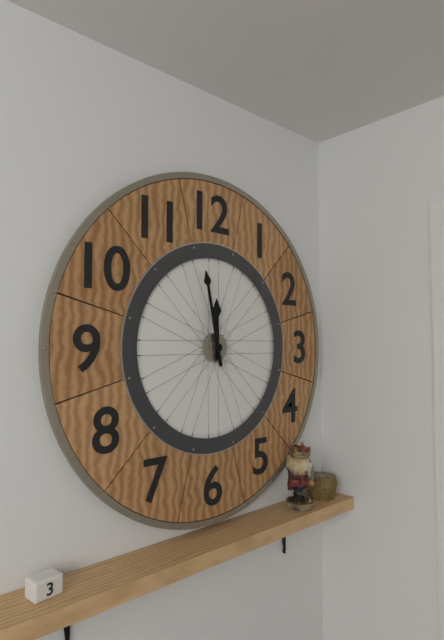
11:58
